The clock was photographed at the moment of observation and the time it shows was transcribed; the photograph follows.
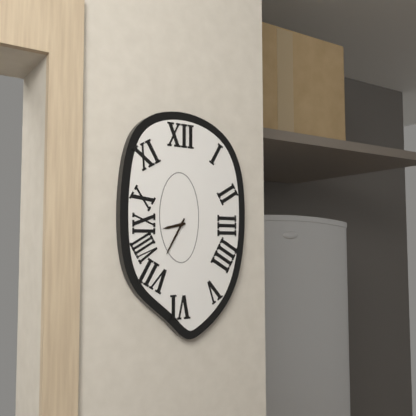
8:35
